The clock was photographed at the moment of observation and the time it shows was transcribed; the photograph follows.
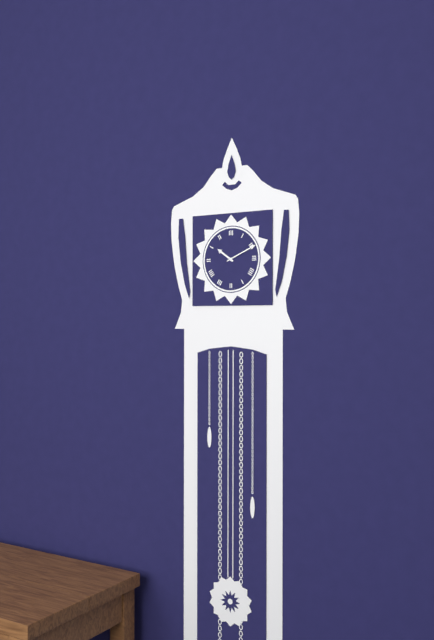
10:11
